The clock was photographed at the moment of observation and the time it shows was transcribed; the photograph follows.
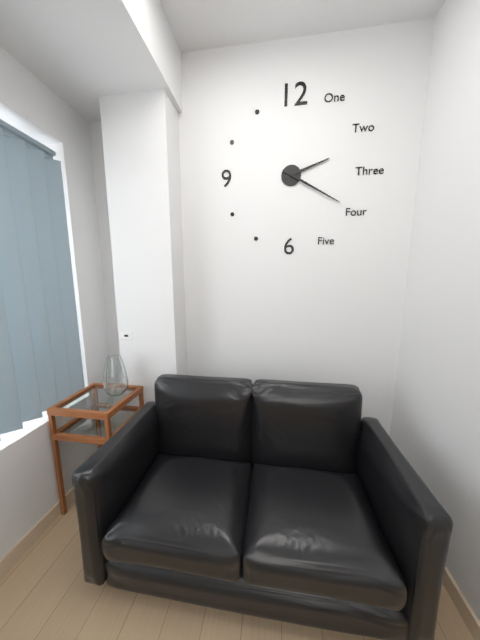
2:20
